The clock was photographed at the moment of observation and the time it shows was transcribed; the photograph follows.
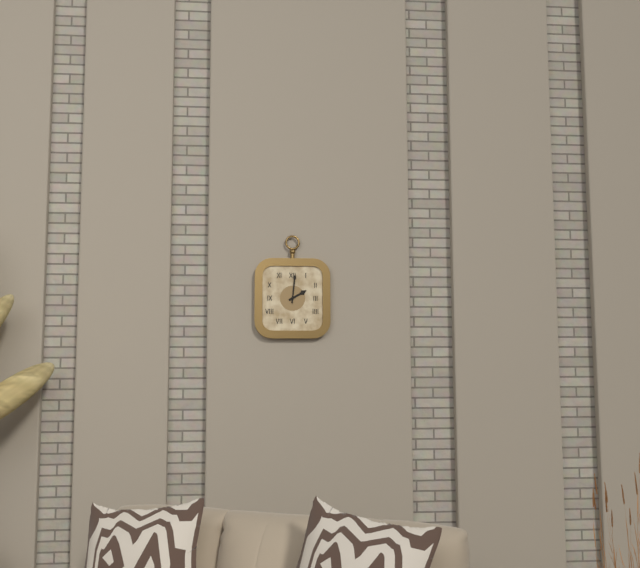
2:01
